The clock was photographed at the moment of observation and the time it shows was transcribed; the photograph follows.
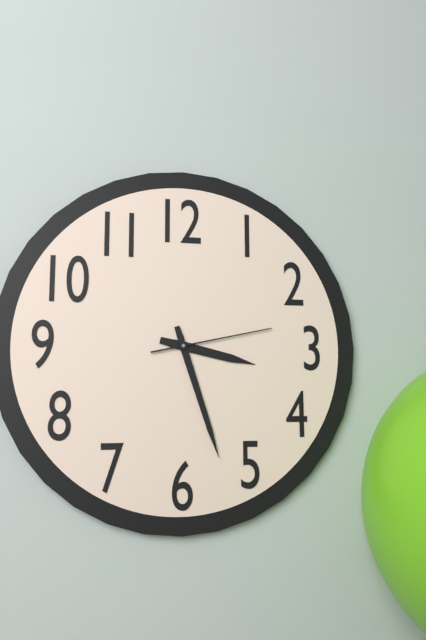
3:27:13
